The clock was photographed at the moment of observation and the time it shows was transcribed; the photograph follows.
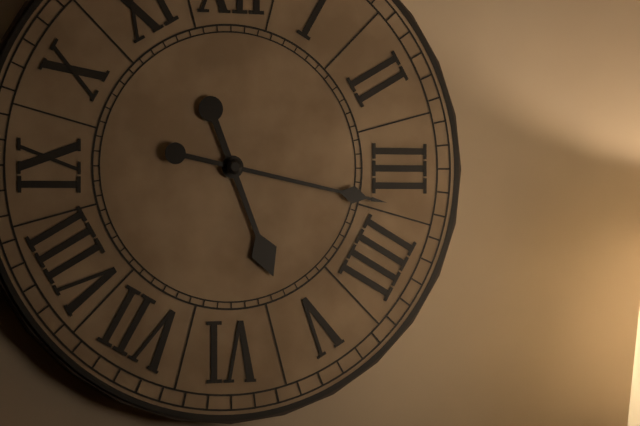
5:17
